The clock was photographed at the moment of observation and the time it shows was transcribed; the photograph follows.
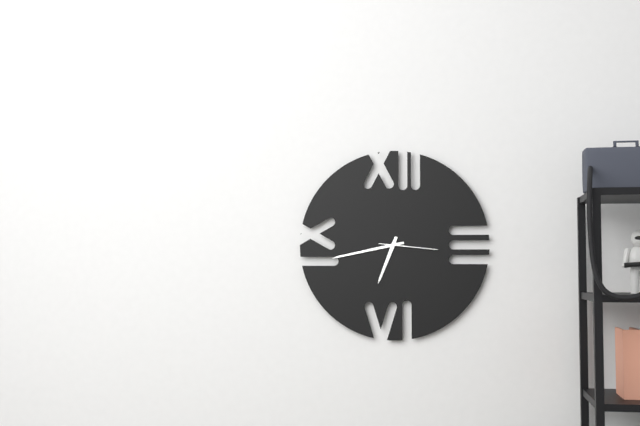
6:43:16
